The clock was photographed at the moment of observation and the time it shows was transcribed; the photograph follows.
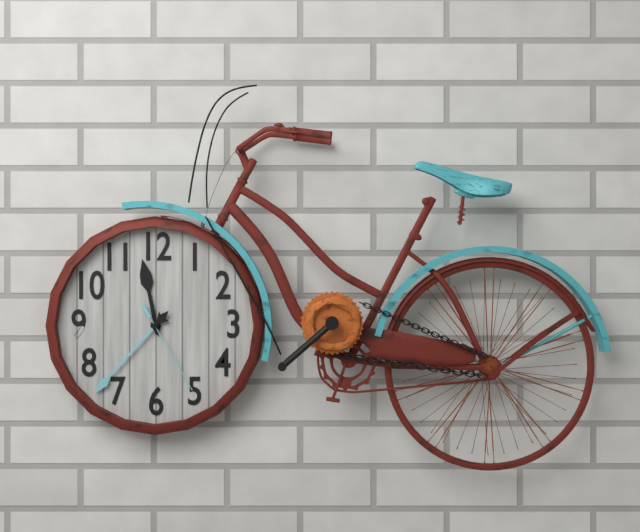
11:37:25
